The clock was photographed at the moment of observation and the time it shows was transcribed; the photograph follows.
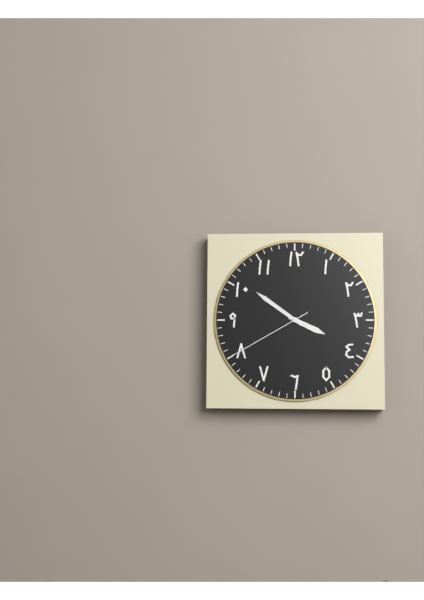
3:51:40
